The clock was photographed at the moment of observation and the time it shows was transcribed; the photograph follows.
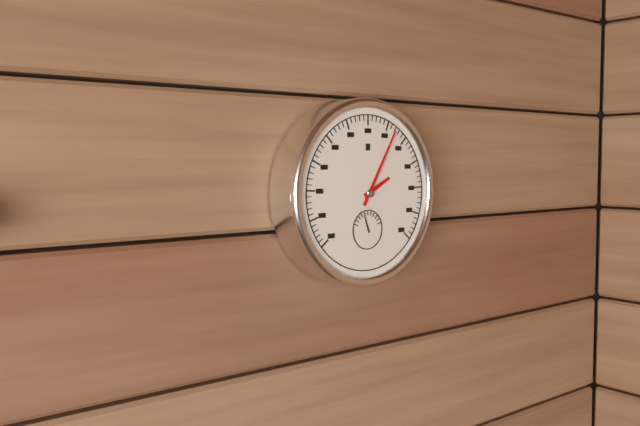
2:05
